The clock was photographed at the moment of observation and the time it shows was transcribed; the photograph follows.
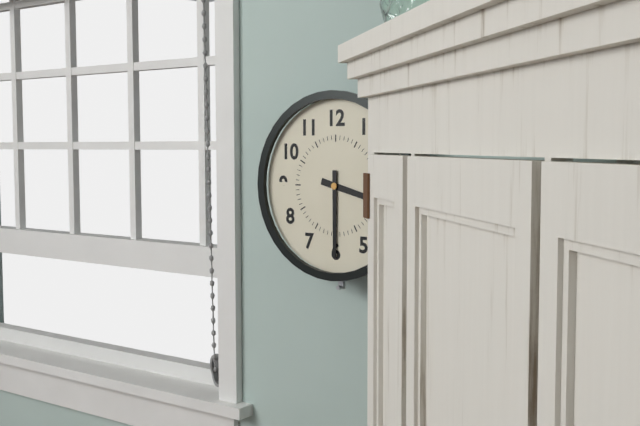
3:30
